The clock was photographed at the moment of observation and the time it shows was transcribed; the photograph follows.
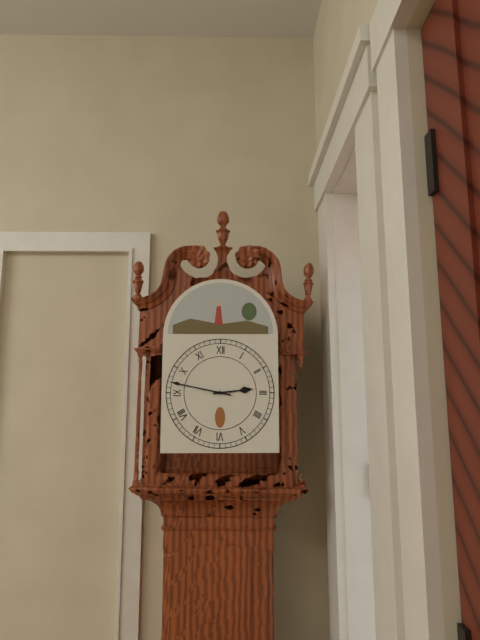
2:47
